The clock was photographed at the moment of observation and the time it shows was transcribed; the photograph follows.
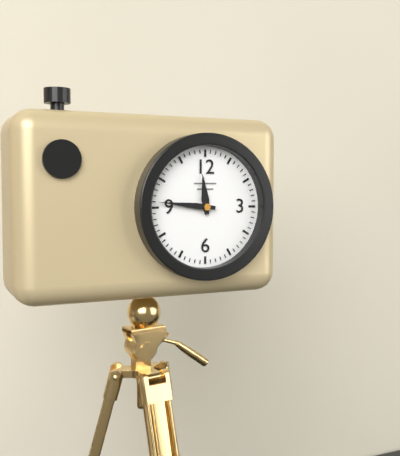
11:46
